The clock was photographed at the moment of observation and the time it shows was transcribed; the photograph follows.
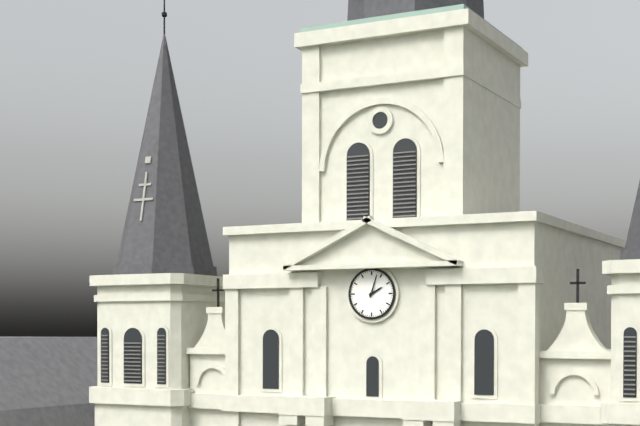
2:03
